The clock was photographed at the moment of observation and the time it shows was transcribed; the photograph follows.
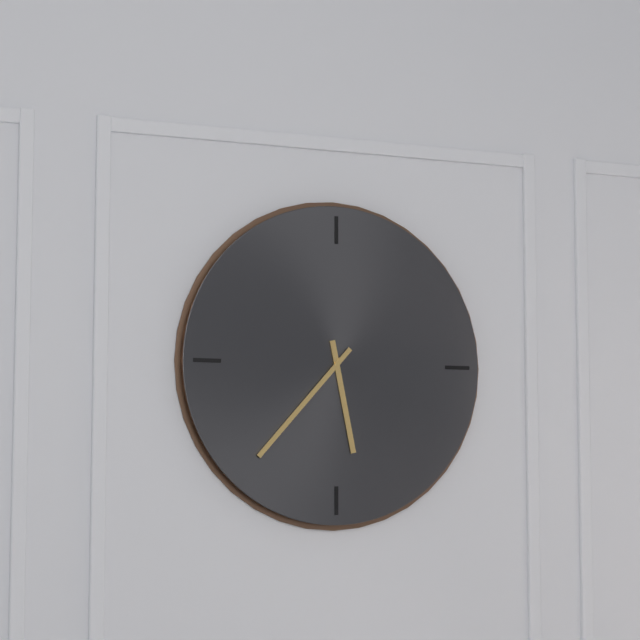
5:37
